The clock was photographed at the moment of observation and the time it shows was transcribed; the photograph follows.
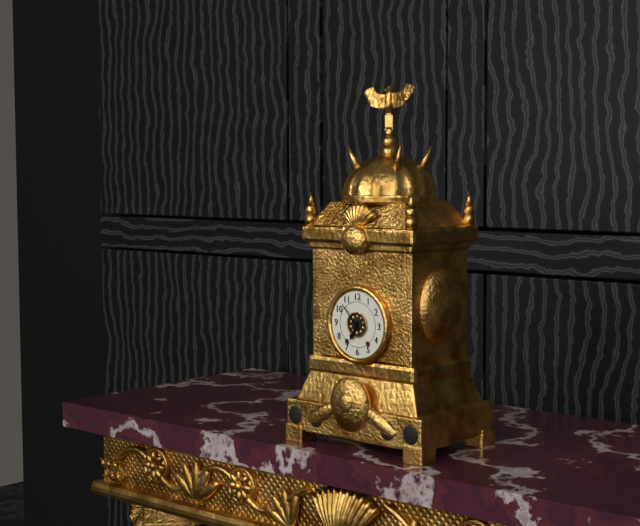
6:53
